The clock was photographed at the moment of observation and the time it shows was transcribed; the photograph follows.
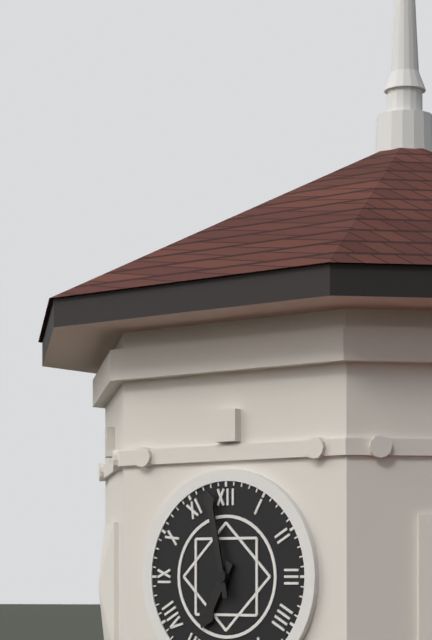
6:58
